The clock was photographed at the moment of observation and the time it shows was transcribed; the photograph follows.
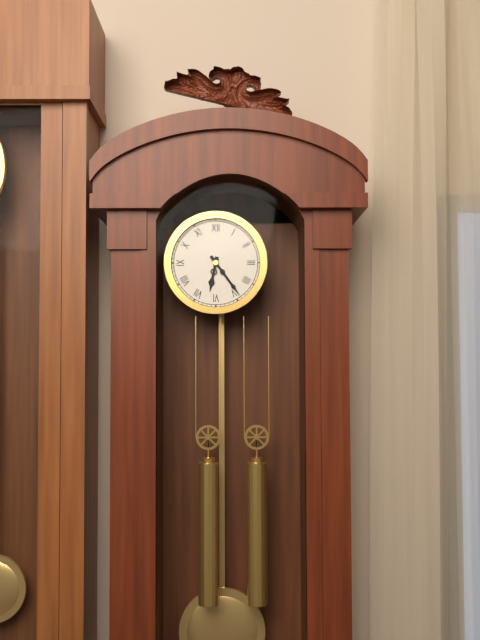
6:24
